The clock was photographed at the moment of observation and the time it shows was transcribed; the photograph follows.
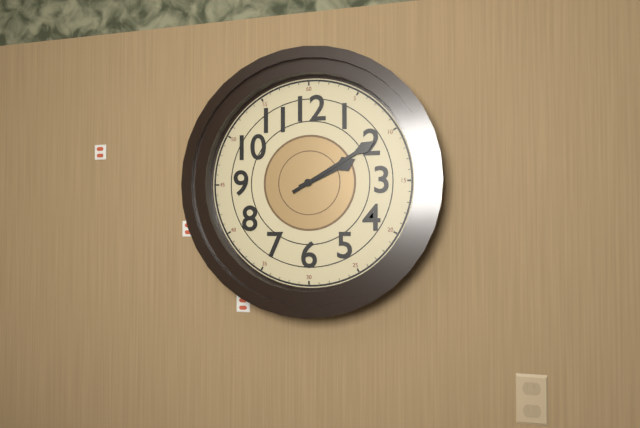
2:10
